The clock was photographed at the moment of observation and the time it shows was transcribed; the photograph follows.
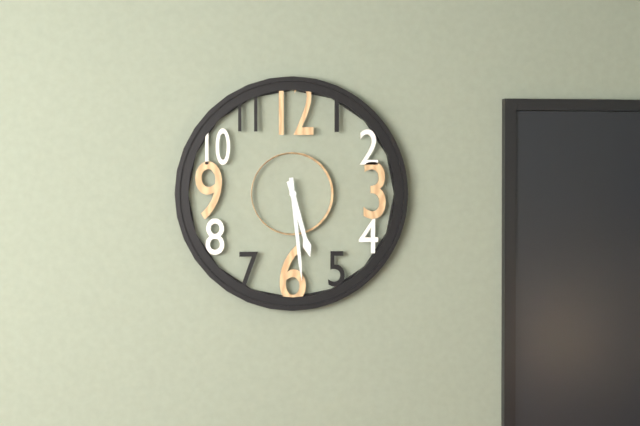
5:29
